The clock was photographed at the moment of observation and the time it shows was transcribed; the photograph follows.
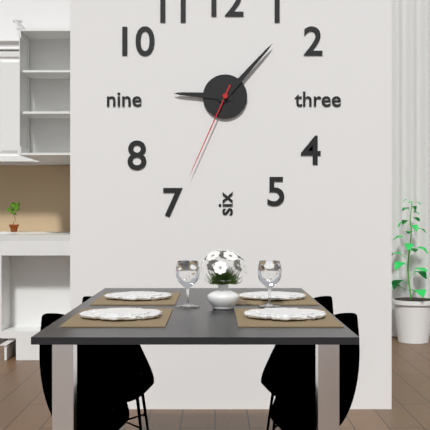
9:07:34
